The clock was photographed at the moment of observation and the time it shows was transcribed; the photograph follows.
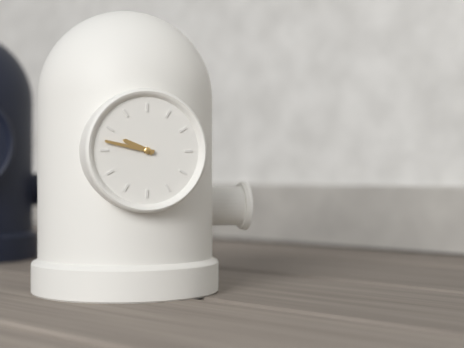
9:47
